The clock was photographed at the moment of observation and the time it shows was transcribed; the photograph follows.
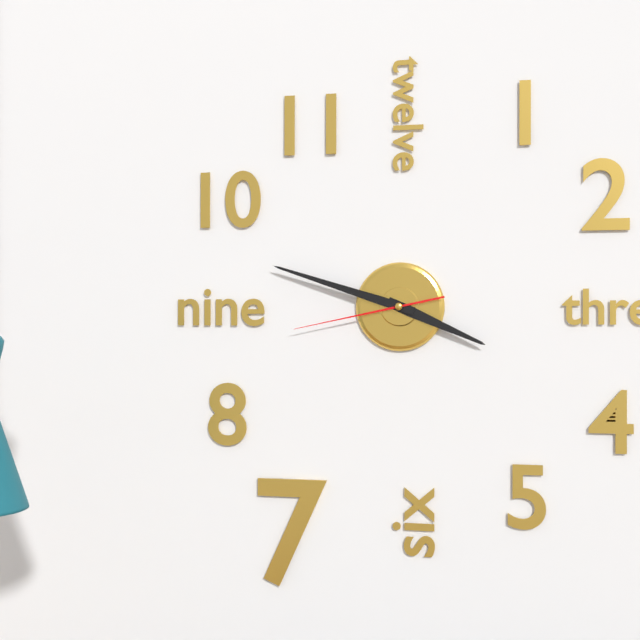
3:48:43
